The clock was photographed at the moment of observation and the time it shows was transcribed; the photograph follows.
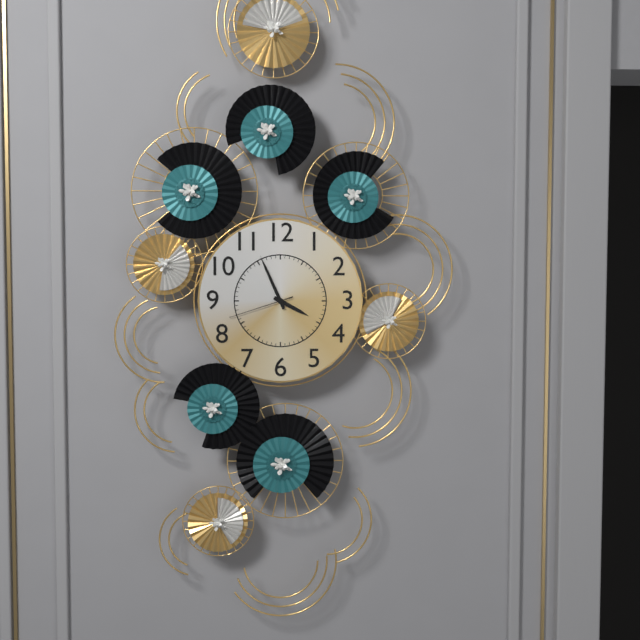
3:56:42
